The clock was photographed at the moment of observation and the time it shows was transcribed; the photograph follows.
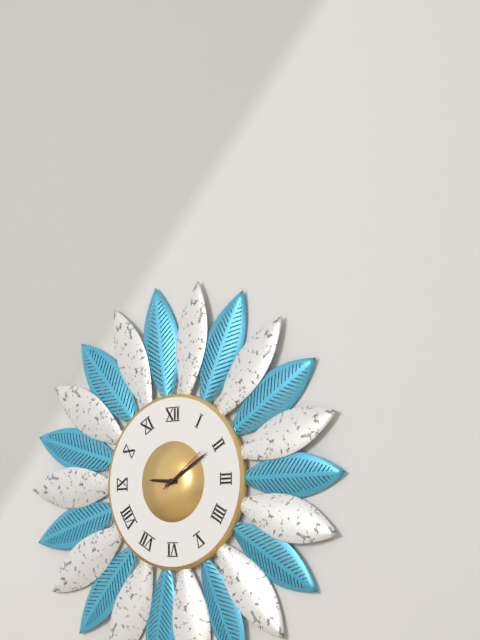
9:10
